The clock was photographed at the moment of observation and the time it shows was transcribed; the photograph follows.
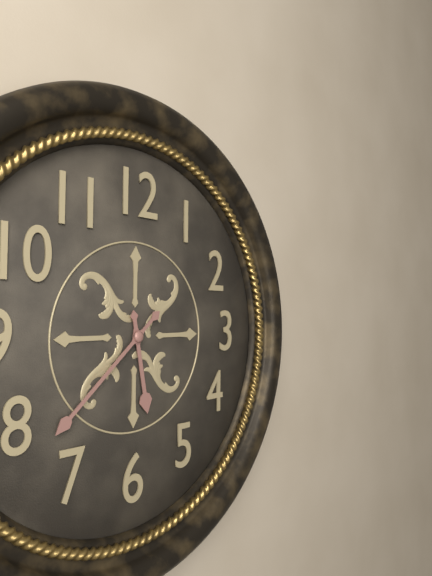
5:38
